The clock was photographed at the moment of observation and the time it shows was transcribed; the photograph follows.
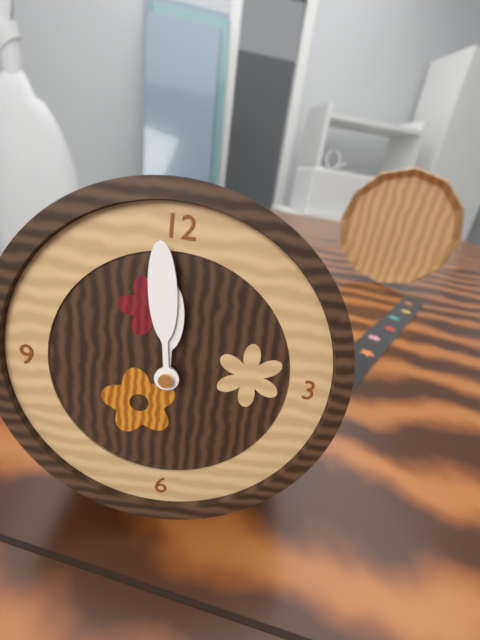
11:59
